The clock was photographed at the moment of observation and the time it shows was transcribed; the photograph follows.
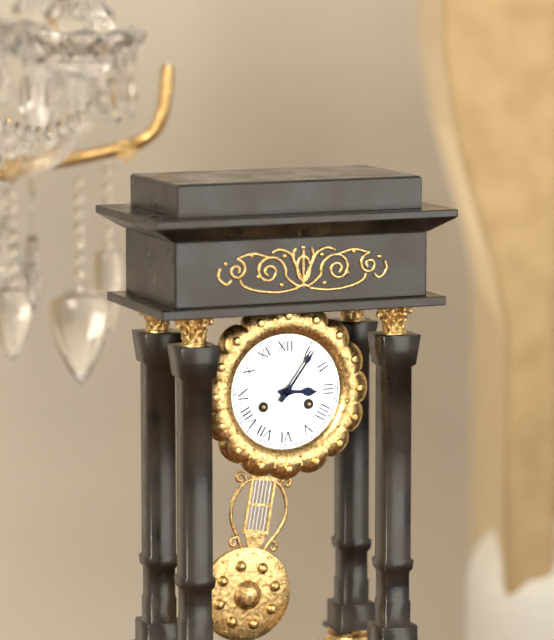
3:06
